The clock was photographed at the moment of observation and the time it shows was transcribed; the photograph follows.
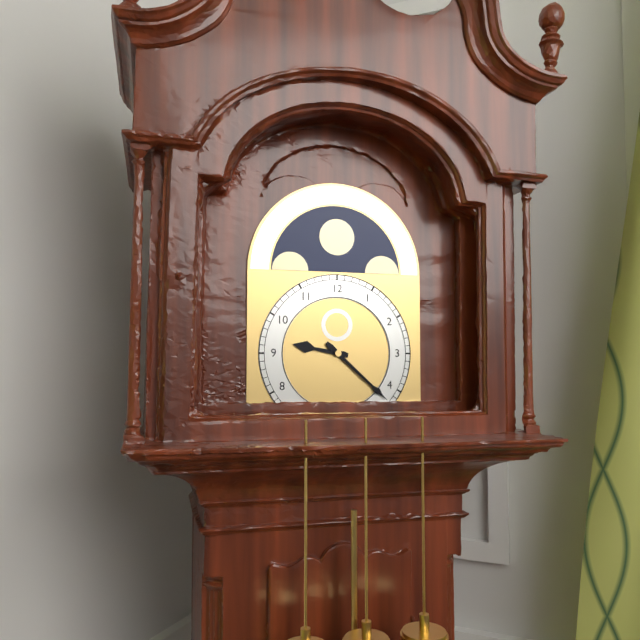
9:22
